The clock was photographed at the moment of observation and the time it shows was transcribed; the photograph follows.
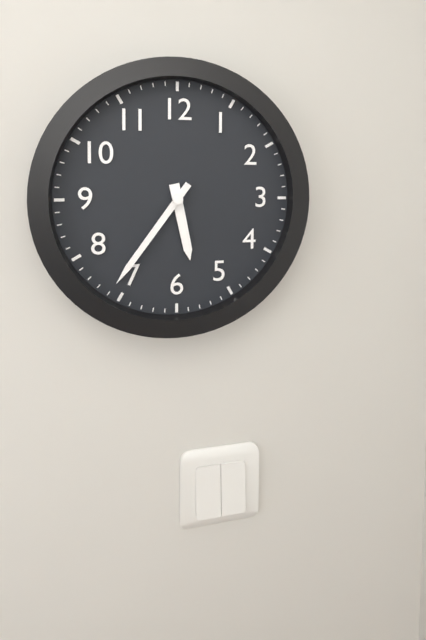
5:36
